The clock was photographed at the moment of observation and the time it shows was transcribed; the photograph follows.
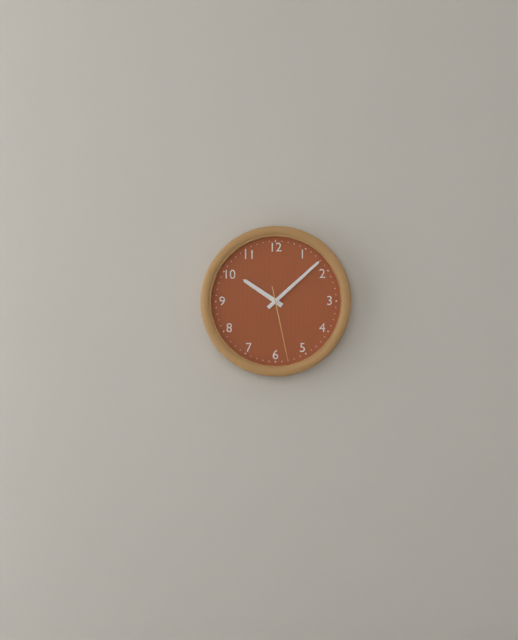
10:08:28
